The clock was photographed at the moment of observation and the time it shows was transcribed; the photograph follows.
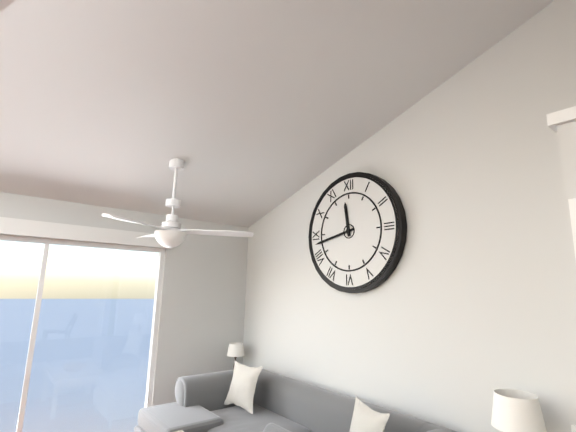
11:43
